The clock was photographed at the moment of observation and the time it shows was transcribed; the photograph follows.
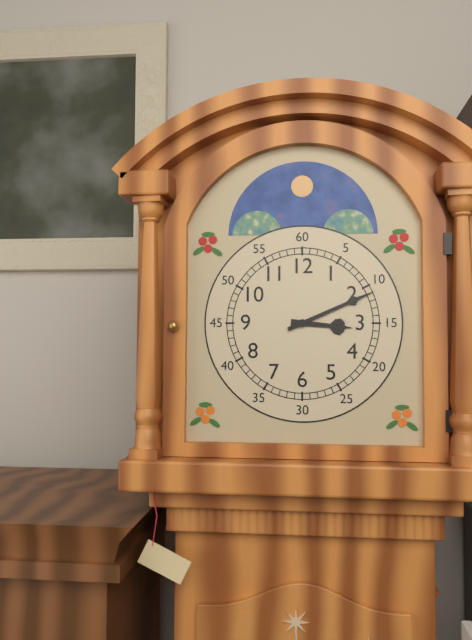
3:11
